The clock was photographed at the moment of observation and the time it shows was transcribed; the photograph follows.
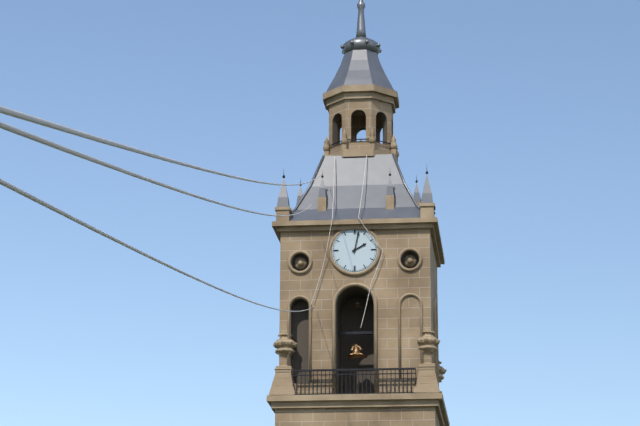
2:02
